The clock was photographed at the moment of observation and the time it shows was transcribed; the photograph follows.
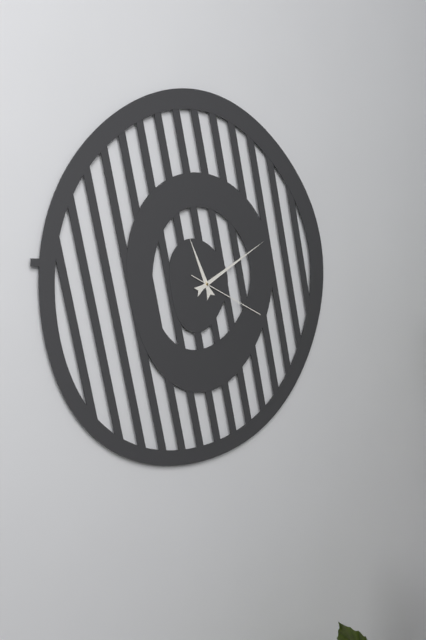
11:10:19
